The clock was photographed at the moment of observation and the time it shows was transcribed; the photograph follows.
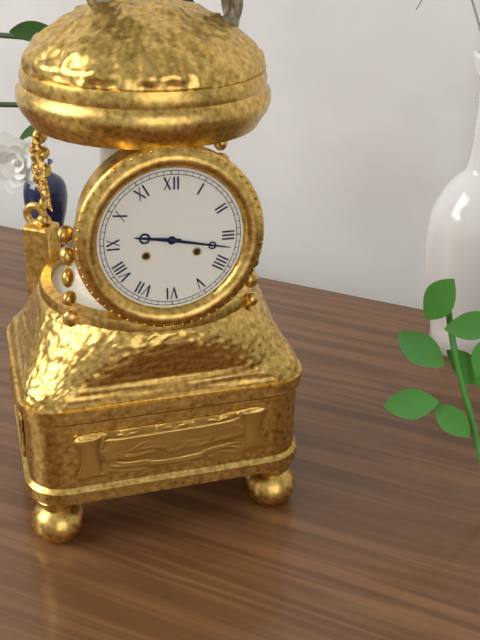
9:17
